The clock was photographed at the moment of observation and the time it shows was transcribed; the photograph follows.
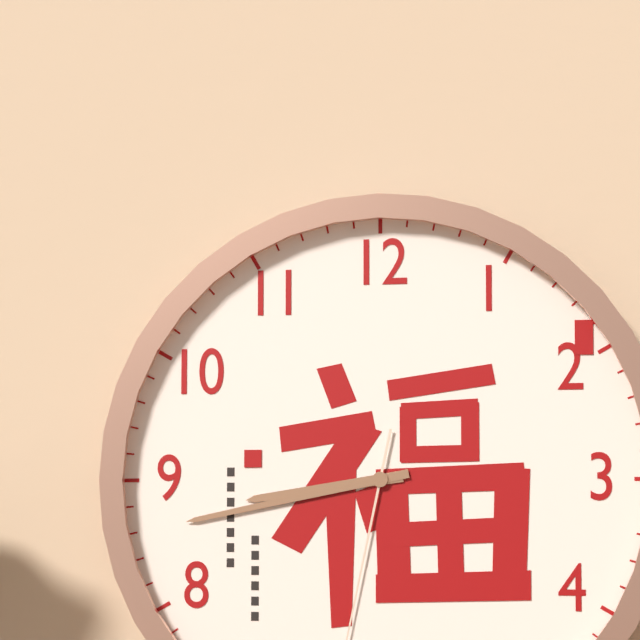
8:43
